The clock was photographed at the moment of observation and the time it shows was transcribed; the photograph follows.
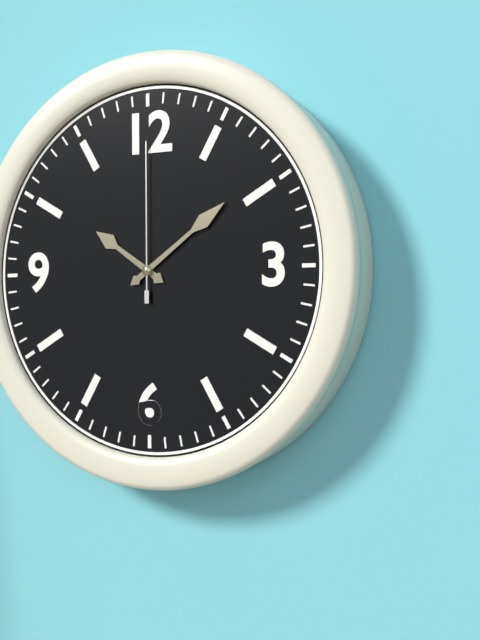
10:09:00
